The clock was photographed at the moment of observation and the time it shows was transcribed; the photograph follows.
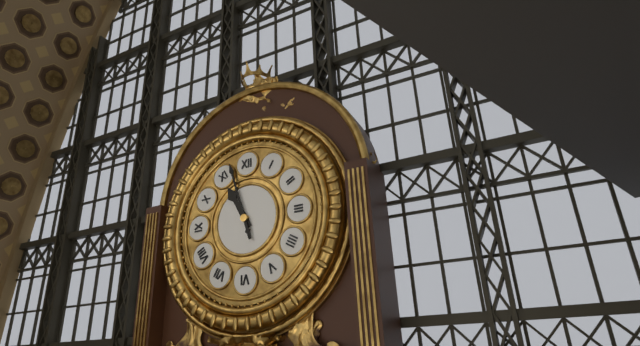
10:57
